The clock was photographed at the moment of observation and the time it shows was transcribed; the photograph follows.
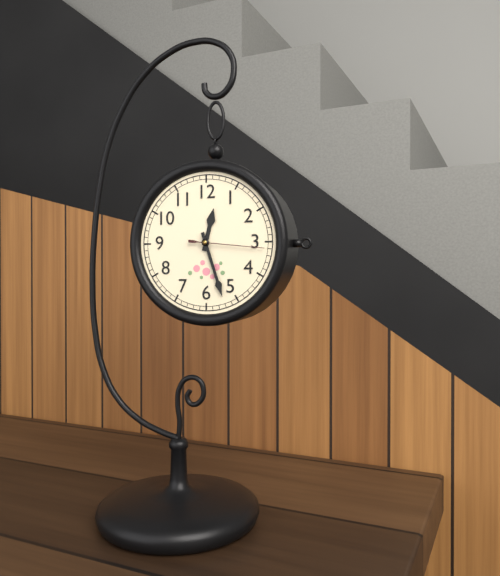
12:27:16
